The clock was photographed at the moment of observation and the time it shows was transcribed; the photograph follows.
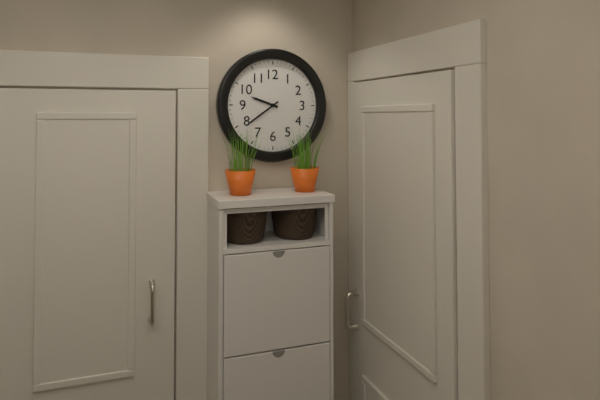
9:39
